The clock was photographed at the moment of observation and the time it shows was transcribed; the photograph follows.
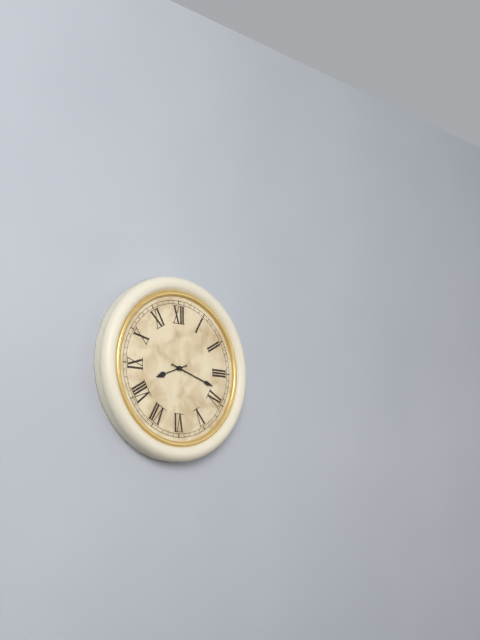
8:18
